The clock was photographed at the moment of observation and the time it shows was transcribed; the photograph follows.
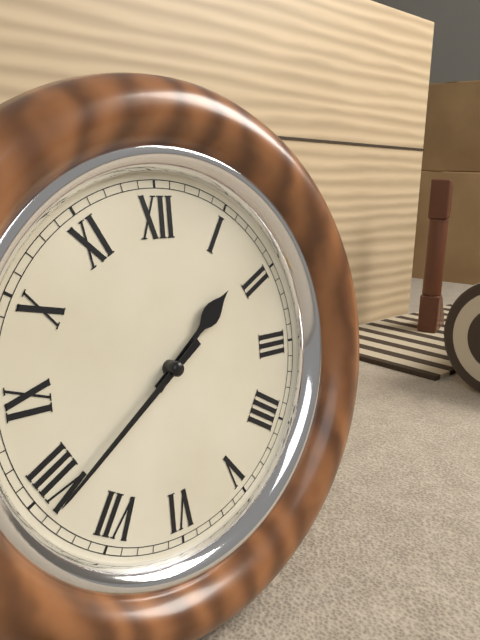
1:39
